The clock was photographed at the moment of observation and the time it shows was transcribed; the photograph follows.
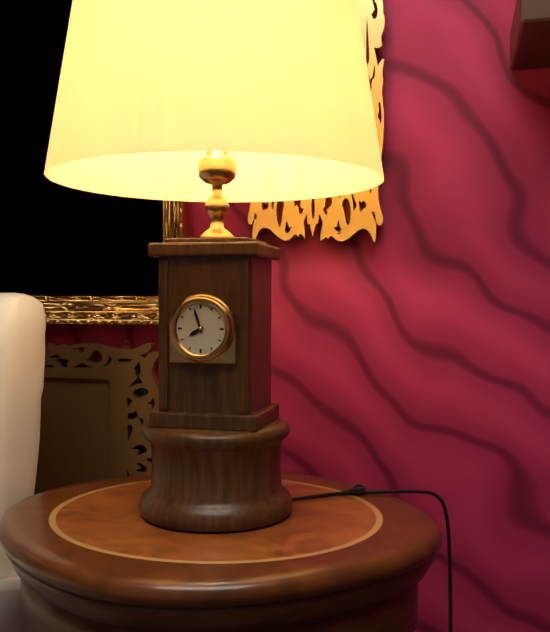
7:57
